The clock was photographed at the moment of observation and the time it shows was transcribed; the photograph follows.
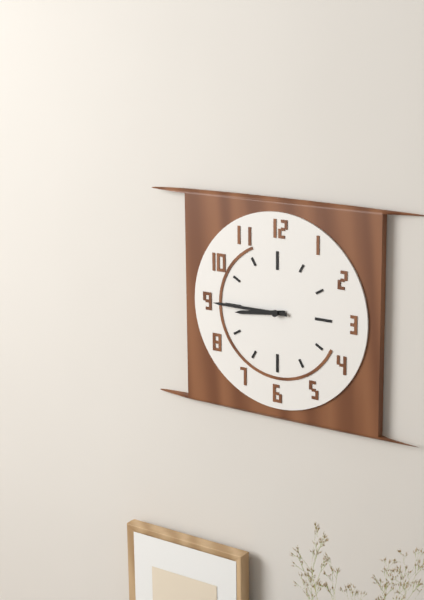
8:45
